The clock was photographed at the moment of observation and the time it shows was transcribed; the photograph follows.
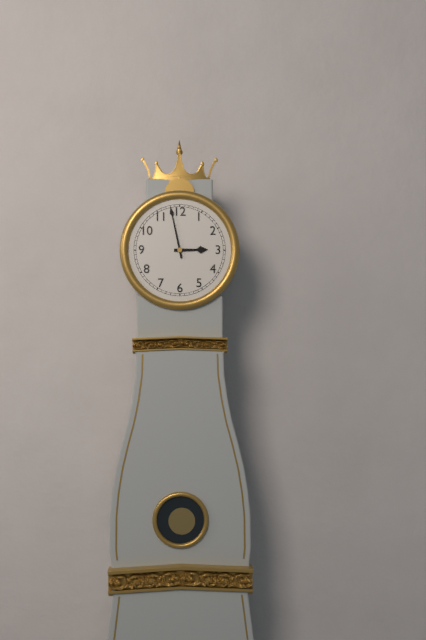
2:58
